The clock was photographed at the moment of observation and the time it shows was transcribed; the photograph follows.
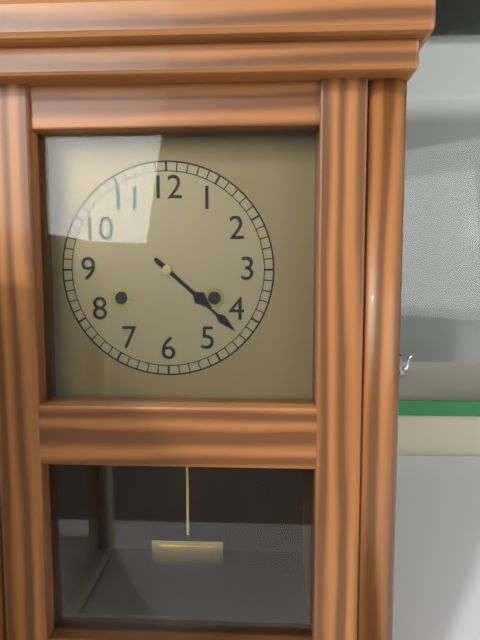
4:22
